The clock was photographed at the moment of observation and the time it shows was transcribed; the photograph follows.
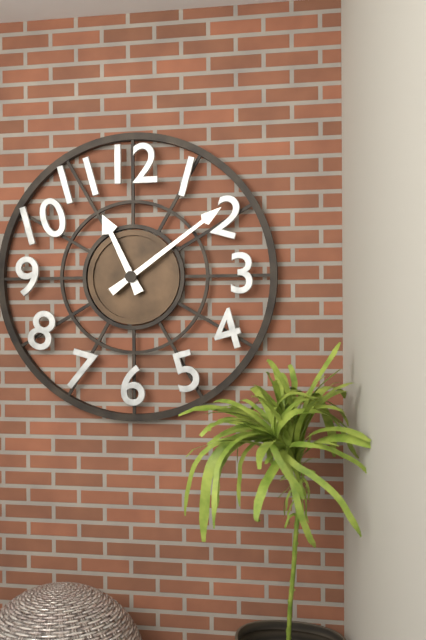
11:09
